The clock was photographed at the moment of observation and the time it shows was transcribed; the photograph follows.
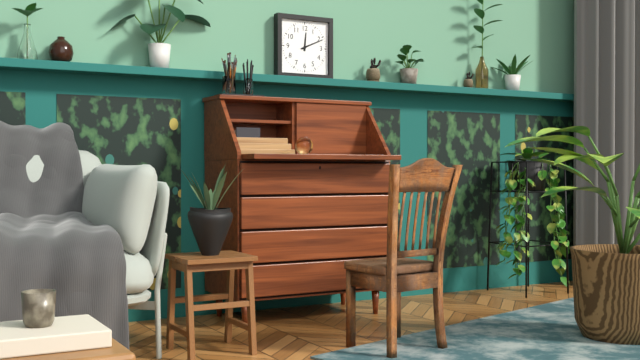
12:11
